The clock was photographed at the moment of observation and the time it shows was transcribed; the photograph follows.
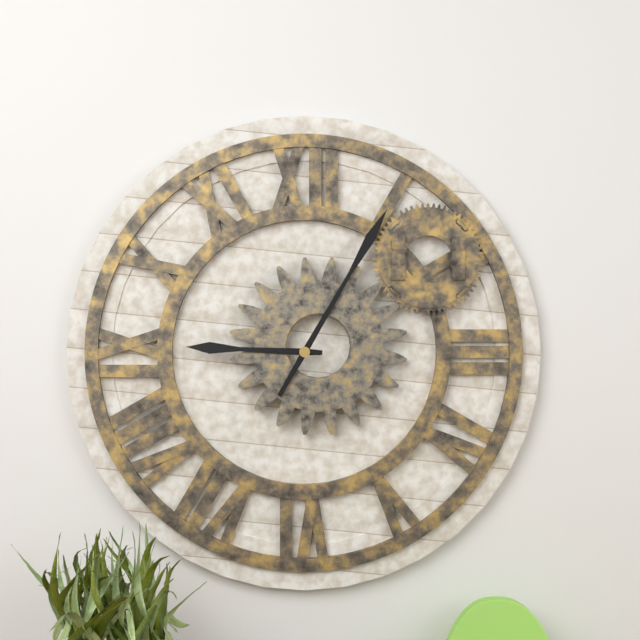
9:05
